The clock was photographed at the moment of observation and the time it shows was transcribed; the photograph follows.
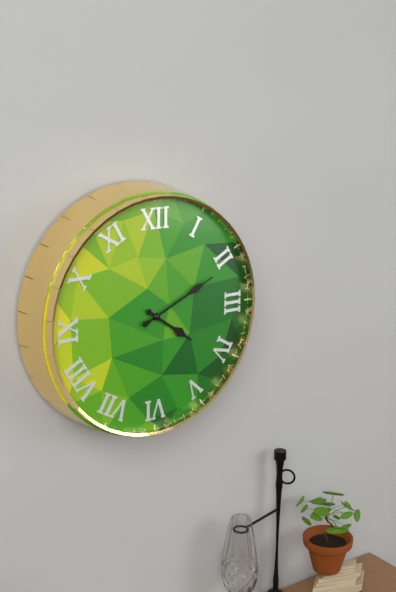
4:11
